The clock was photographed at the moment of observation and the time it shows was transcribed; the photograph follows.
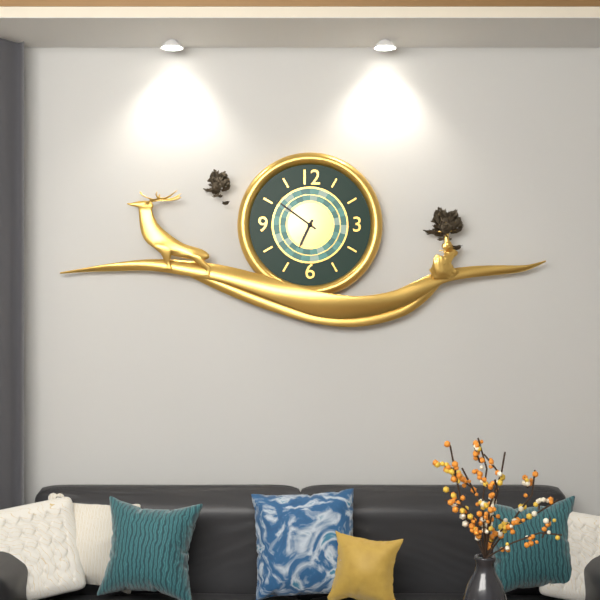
6:51
